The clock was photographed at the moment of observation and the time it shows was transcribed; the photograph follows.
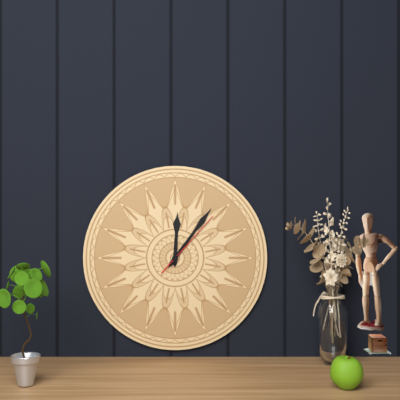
12:06:07
